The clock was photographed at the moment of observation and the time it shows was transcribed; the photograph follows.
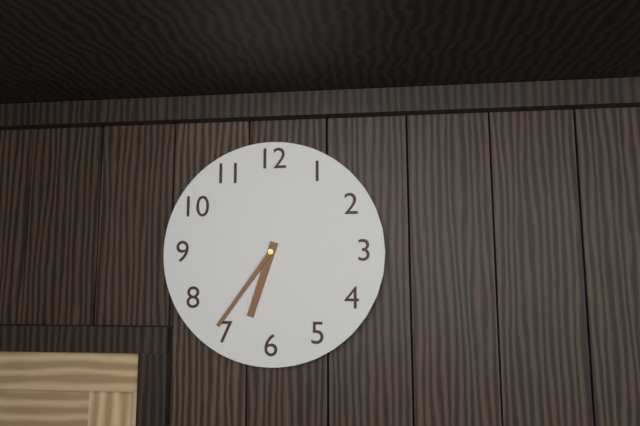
6:36
